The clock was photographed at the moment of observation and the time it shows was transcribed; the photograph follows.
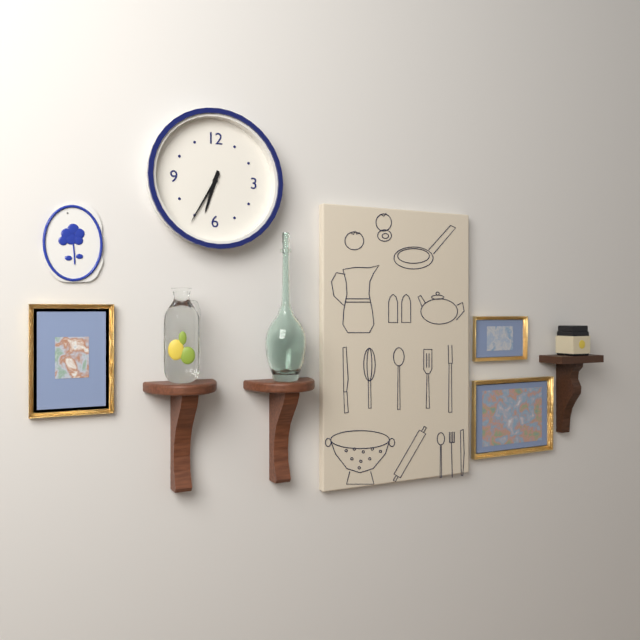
6:35
